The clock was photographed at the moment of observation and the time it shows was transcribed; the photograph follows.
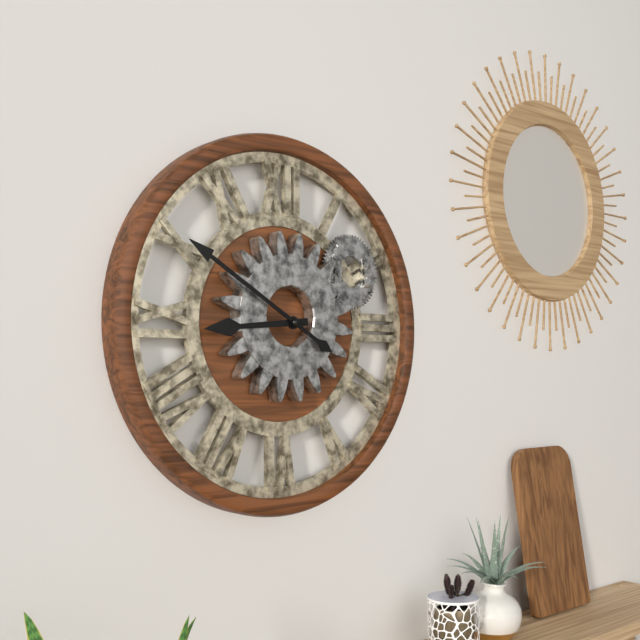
8:50
